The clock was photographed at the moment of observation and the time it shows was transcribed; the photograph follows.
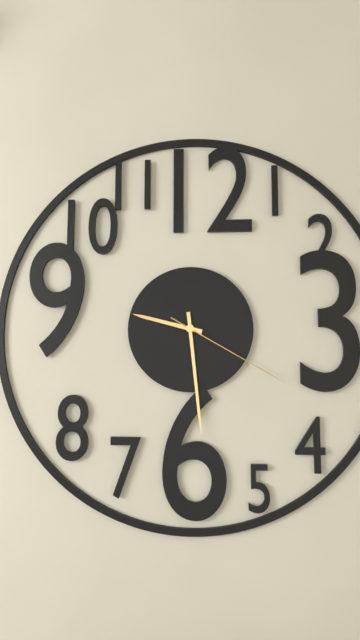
9:29:20
